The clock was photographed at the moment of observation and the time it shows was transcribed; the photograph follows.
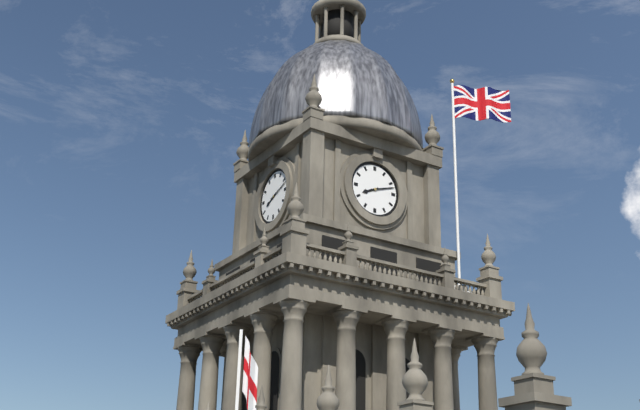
8:12
